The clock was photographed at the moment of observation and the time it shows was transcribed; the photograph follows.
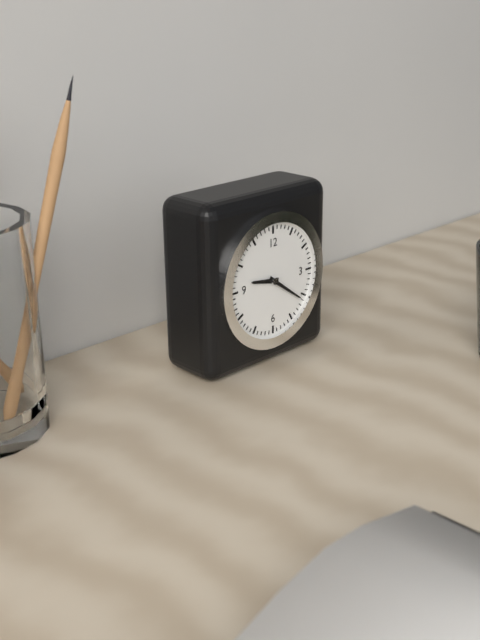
9:21
